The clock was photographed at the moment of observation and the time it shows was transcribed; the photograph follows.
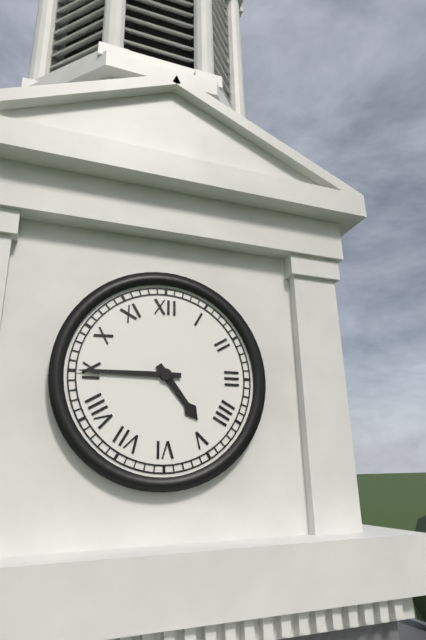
4:45
